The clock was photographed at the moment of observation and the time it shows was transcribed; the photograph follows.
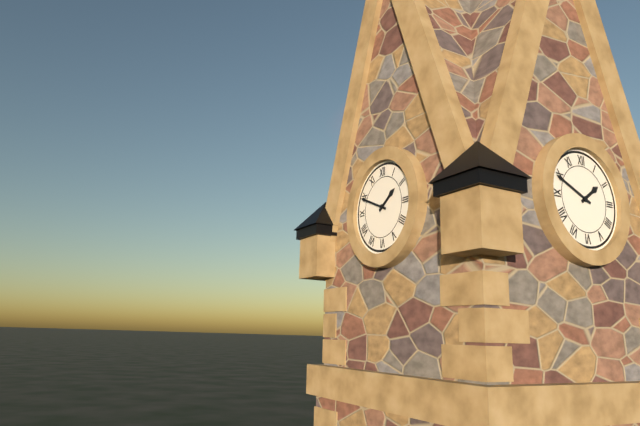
1:49
